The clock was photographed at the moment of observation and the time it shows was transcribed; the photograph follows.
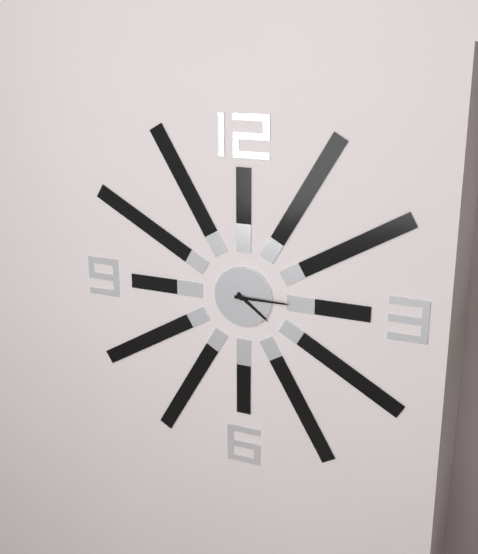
4:15
